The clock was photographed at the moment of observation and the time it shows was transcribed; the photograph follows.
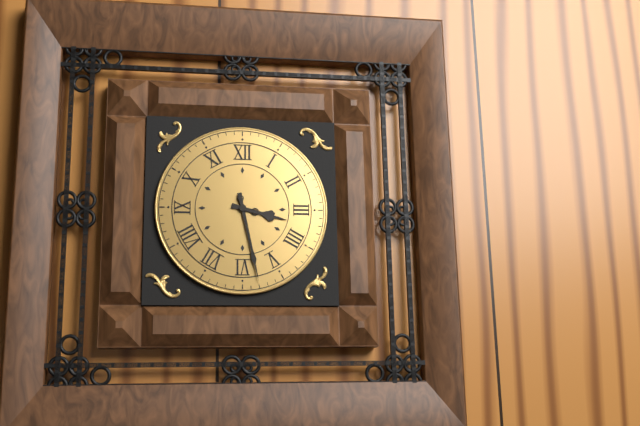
3:28
